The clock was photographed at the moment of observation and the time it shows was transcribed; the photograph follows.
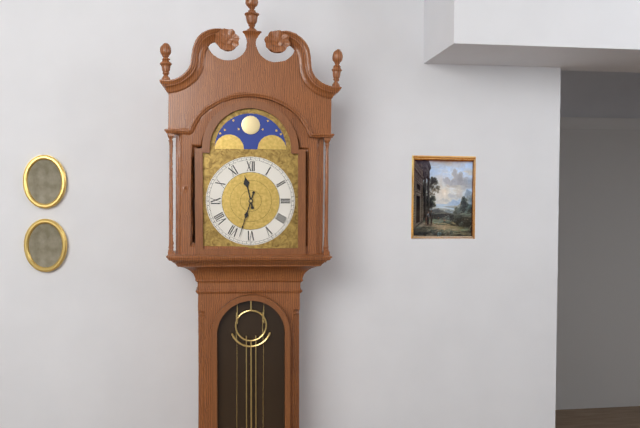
11:33
